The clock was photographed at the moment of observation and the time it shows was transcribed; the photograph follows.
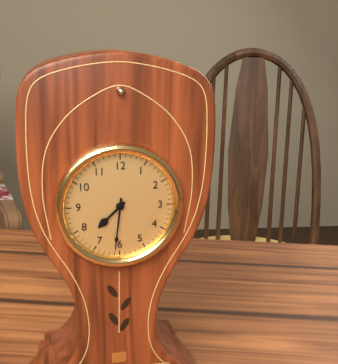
7:31
